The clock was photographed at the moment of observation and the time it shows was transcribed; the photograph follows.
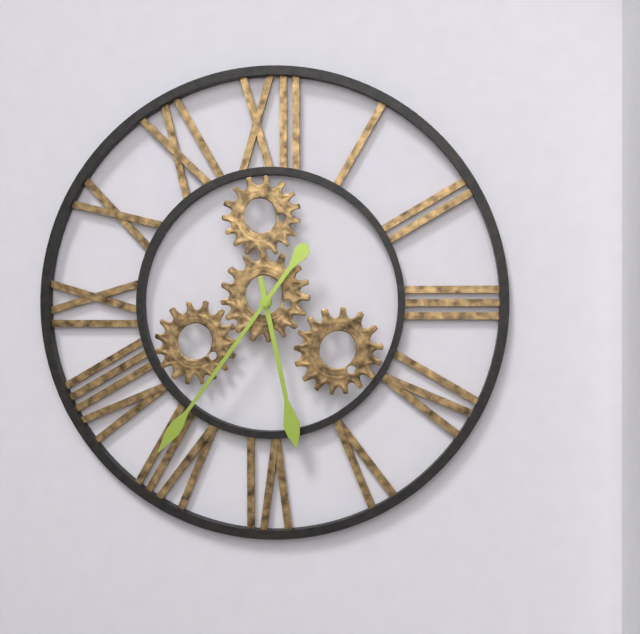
5:36
